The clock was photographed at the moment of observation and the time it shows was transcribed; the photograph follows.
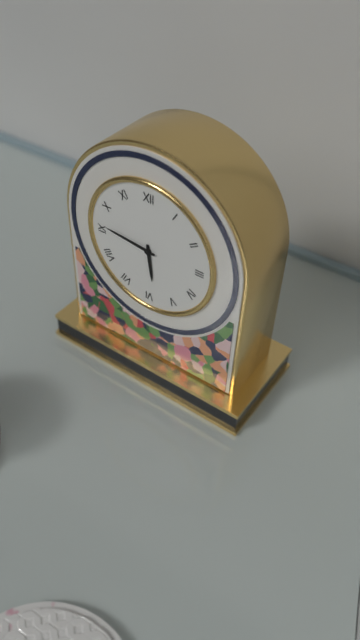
5:46
